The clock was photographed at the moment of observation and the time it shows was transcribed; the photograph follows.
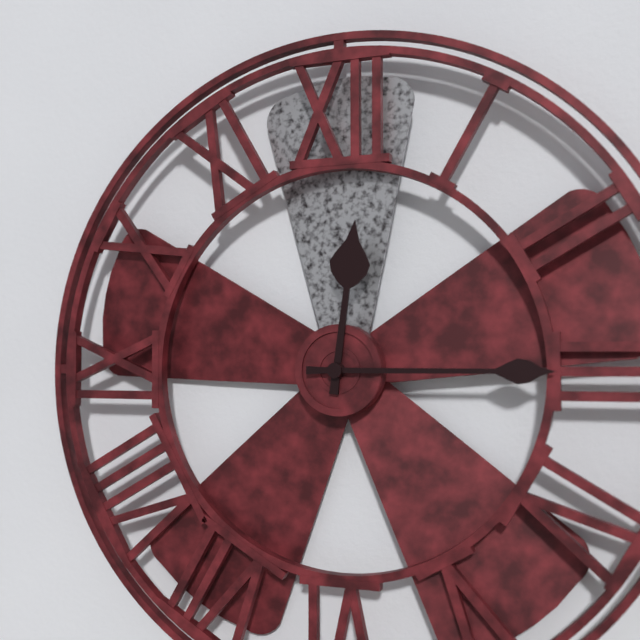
12:15
